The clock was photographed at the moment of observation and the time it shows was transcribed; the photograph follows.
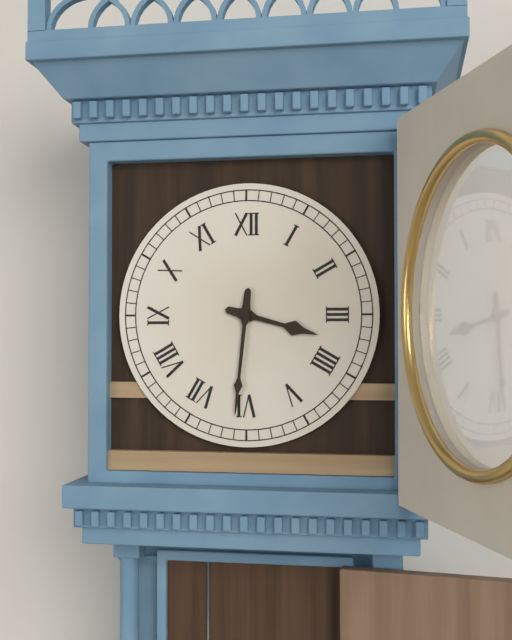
3:31
